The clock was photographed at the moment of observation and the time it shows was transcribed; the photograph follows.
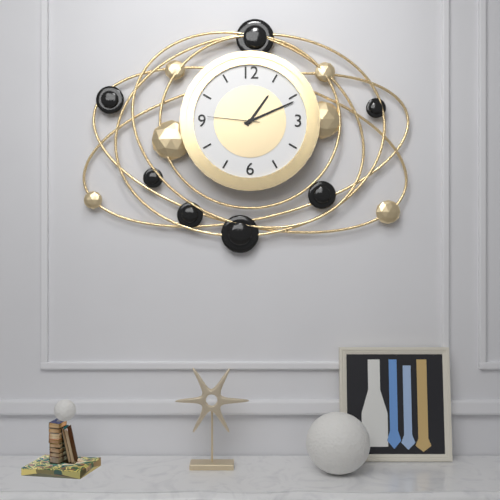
1:11:46
